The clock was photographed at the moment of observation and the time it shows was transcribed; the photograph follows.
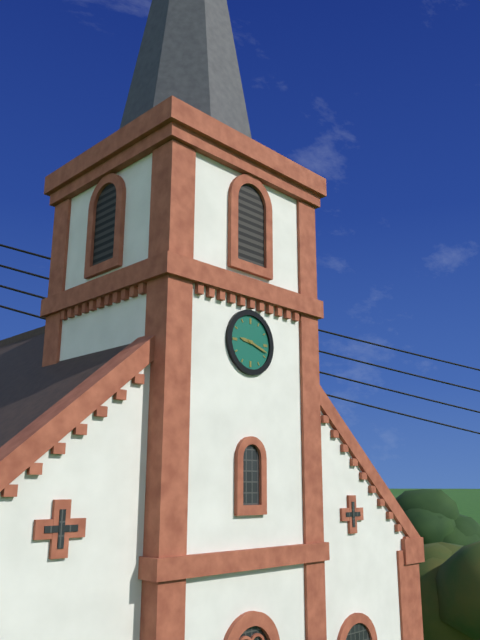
9:18
